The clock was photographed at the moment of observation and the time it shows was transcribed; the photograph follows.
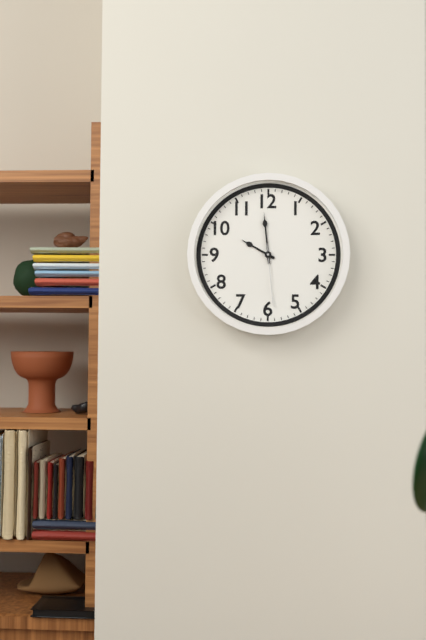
9:59:29
